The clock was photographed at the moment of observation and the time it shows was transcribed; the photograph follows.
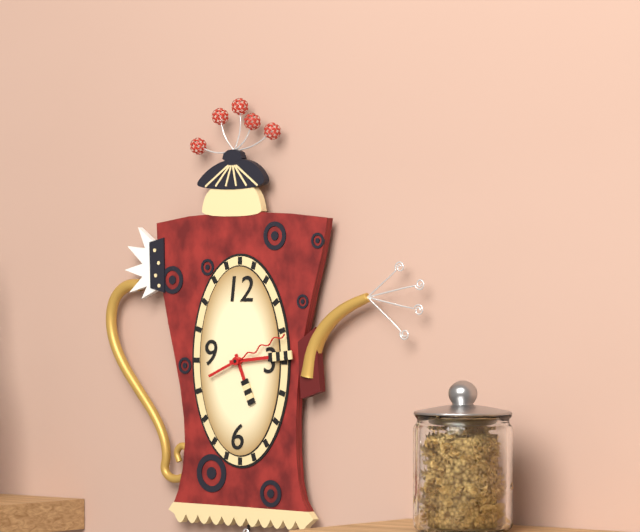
5:14:11
